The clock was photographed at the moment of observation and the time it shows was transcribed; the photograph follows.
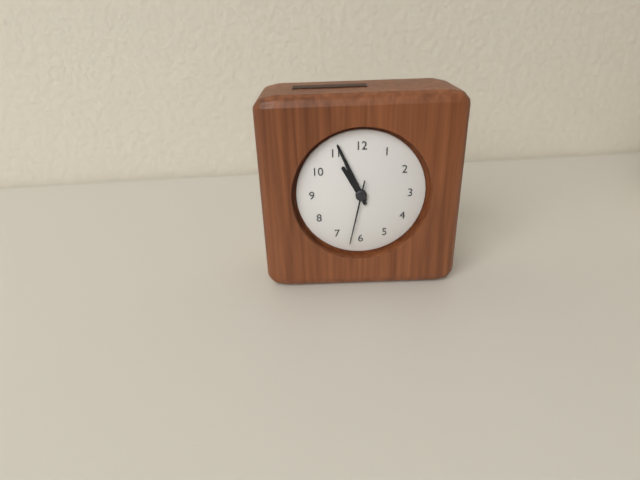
10:56:32
